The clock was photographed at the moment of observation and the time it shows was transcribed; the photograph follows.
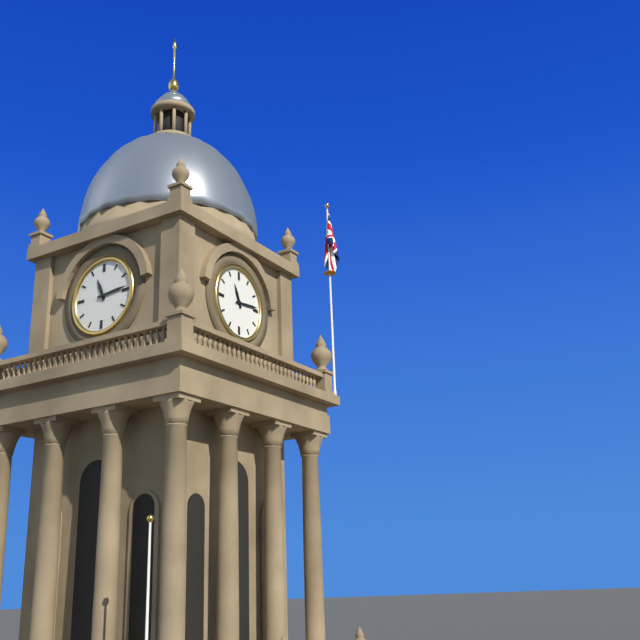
11:14
